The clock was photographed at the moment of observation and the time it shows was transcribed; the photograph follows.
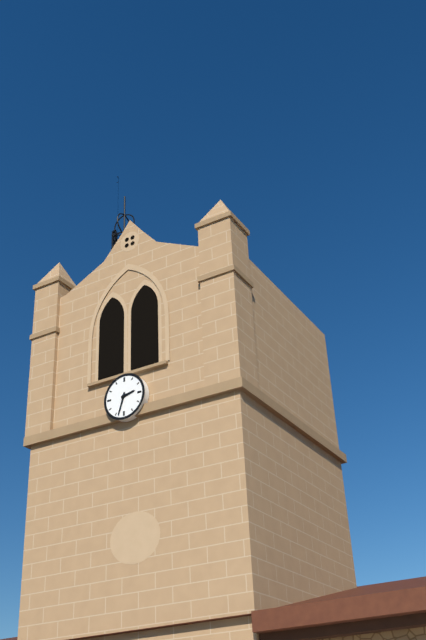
2:33
